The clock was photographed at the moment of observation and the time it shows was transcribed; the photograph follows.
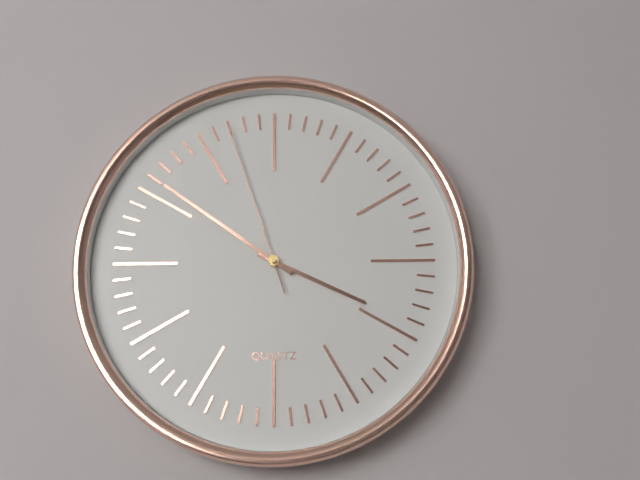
3:51:57
